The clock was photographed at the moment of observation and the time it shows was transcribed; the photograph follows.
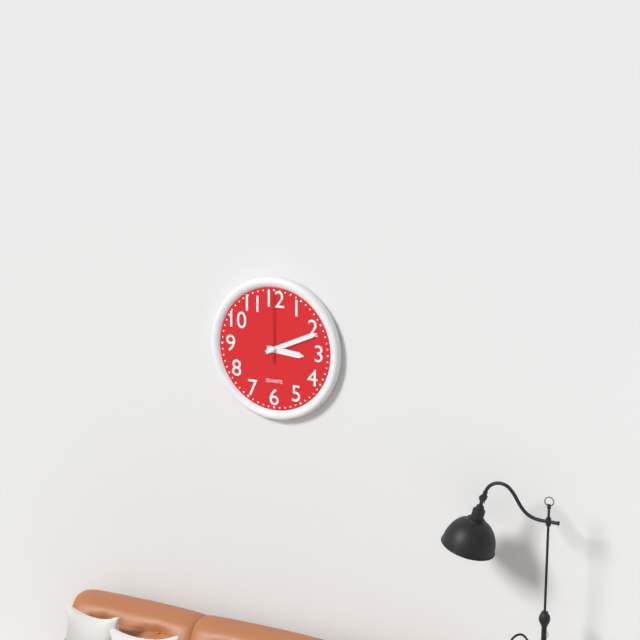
3:11:00
